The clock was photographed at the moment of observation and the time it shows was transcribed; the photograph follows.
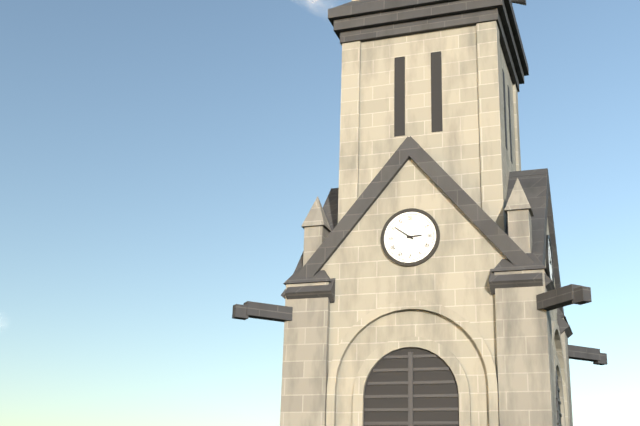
2:51
